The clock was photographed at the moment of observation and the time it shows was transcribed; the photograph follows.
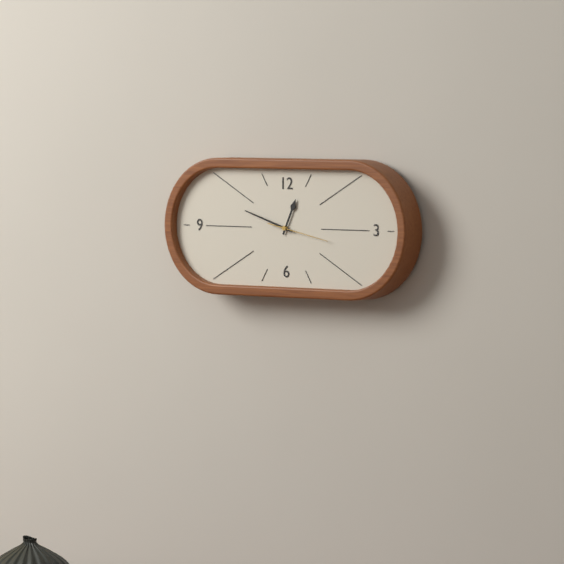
12:48:17
